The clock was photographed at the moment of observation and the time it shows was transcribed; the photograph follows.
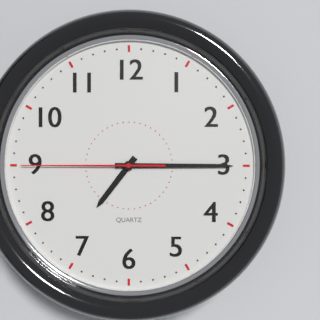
7:15:45
